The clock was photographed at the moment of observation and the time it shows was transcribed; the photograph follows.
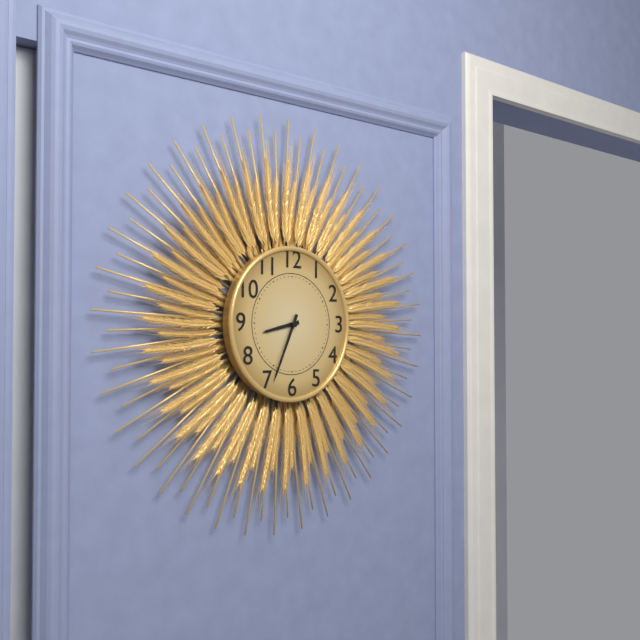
8:34
